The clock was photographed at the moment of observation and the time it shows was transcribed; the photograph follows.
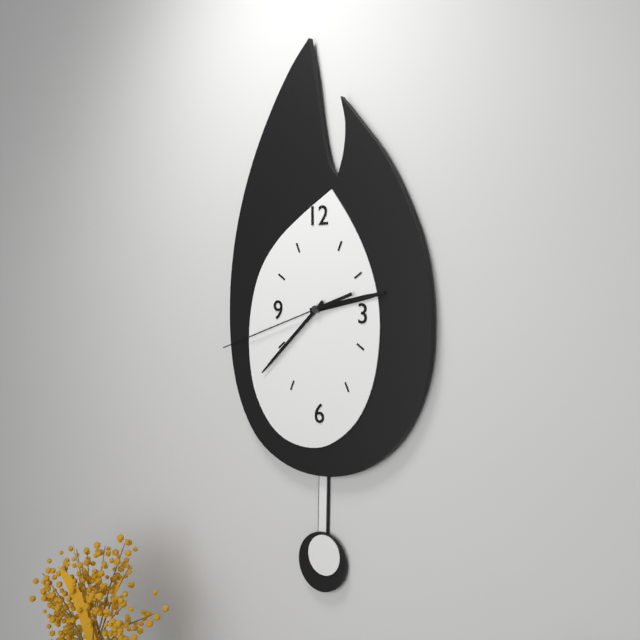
2:38:42
